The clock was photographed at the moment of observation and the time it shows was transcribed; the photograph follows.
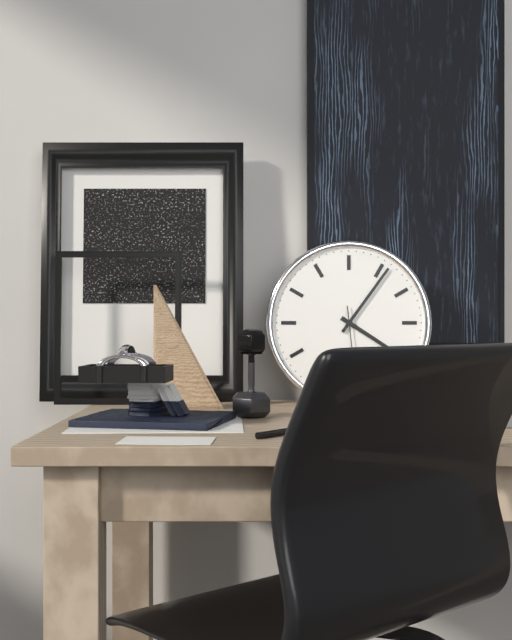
4:06
